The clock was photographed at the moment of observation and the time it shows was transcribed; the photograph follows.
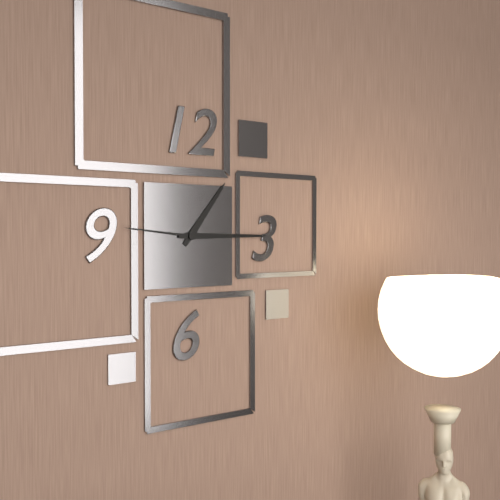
1:15:46
